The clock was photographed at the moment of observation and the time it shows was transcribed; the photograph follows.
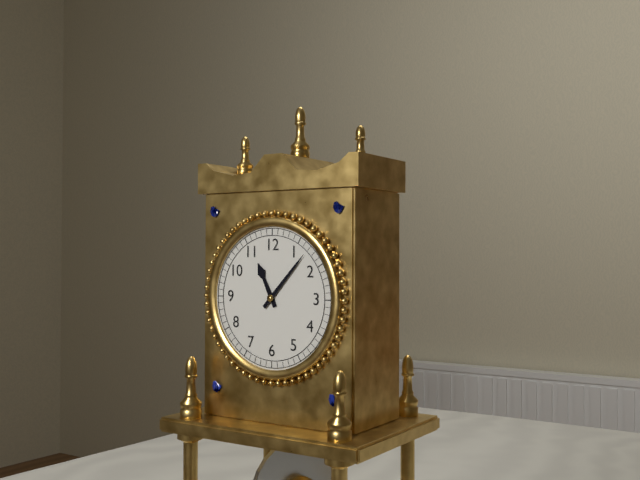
11:07
